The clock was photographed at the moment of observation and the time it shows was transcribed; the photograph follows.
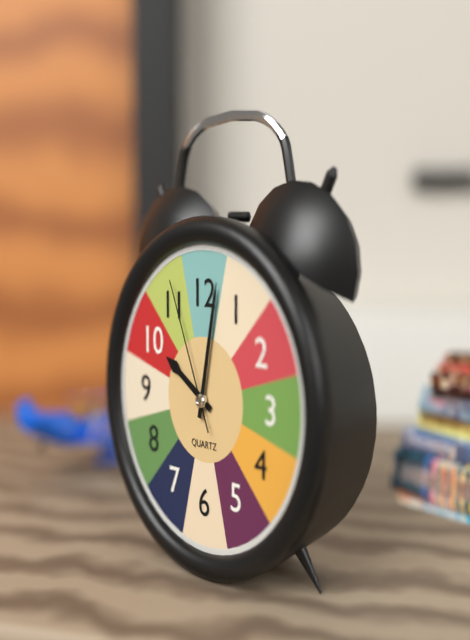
10:02:56
